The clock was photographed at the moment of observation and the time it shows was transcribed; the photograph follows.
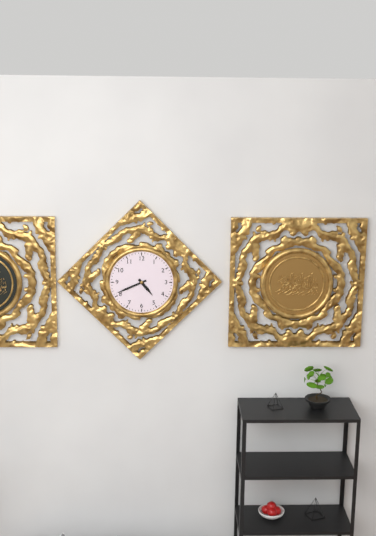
4:41
